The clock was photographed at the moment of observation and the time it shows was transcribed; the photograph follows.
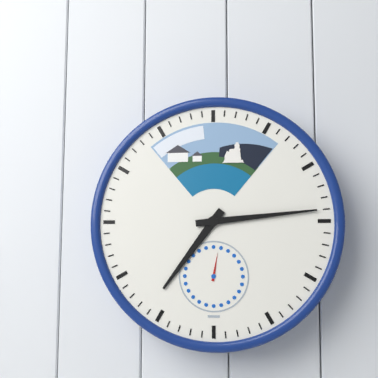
7:14
